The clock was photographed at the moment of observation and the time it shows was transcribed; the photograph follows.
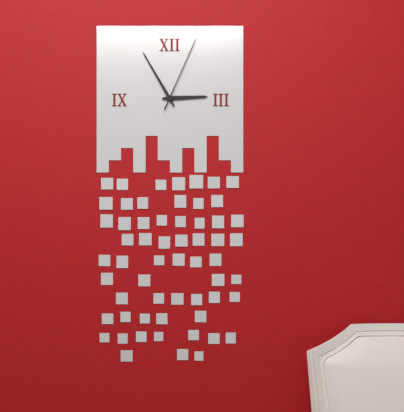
2:55:04
